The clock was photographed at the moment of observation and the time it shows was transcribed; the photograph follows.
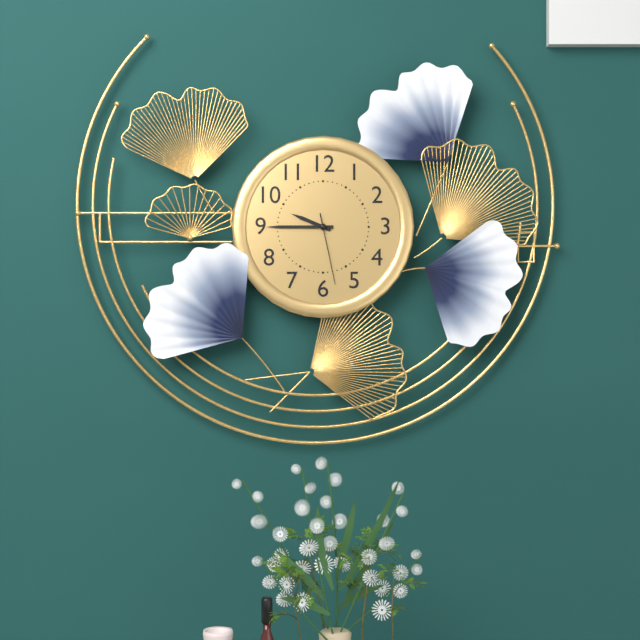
9:45:28
